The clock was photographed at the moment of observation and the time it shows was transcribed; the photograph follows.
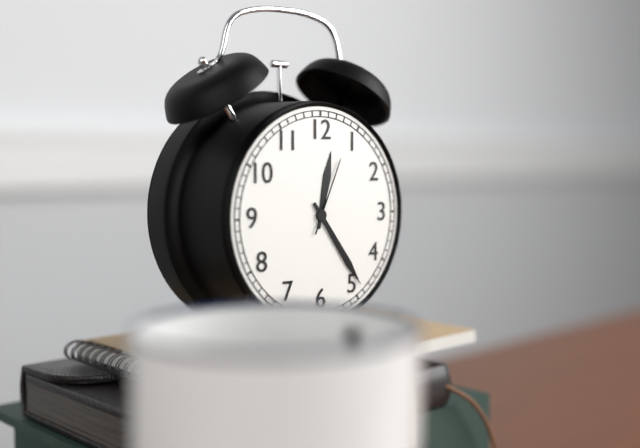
12:24:04
